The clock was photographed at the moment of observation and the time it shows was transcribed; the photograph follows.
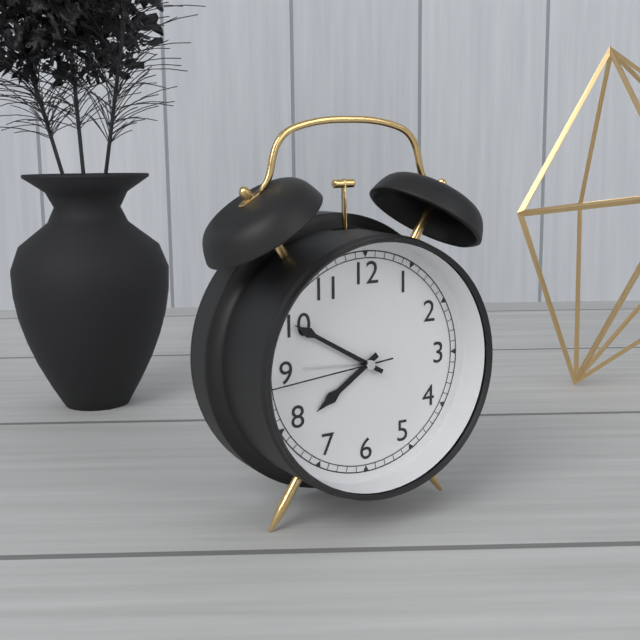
7:50:44
